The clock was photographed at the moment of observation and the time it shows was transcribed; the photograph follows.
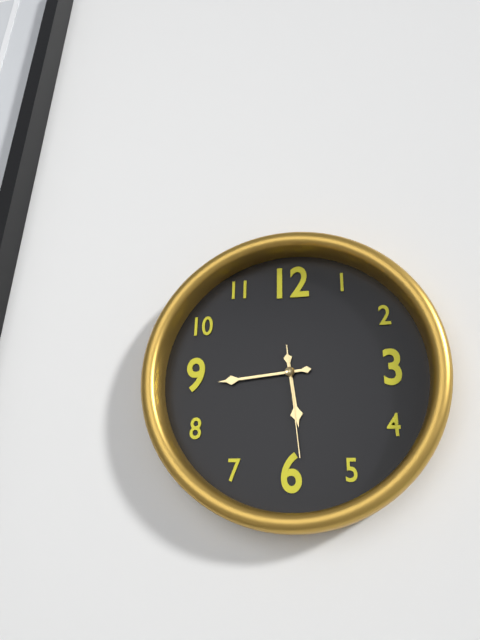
5:44:29
